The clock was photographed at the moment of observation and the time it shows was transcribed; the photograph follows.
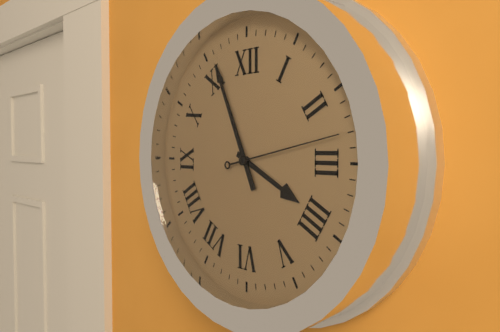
3:56:13
